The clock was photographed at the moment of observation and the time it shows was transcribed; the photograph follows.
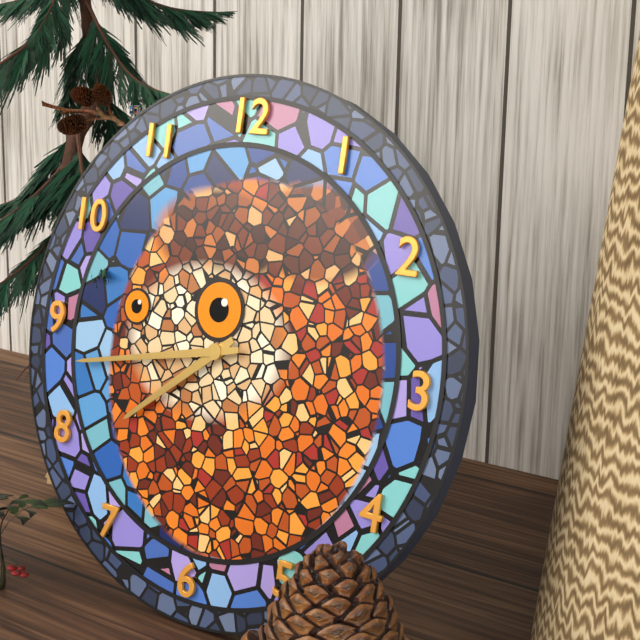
7:43
